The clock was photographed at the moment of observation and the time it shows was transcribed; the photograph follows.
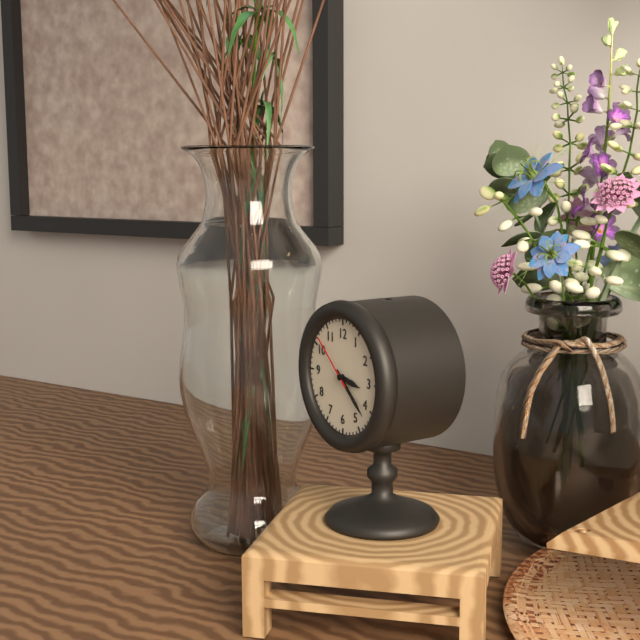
3:22:52
